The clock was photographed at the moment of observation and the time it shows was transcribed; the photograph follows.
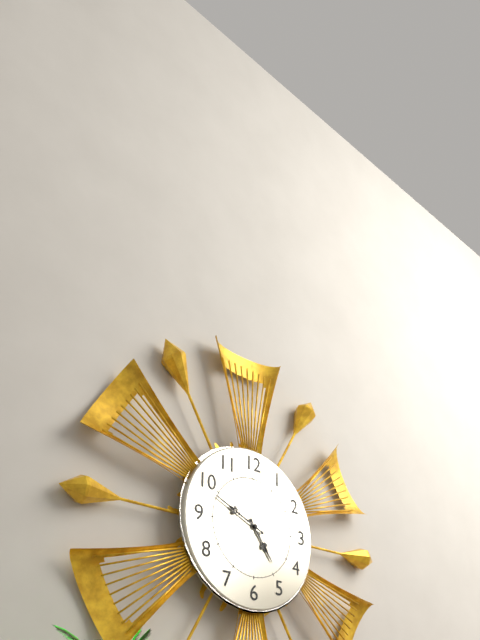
4:49
